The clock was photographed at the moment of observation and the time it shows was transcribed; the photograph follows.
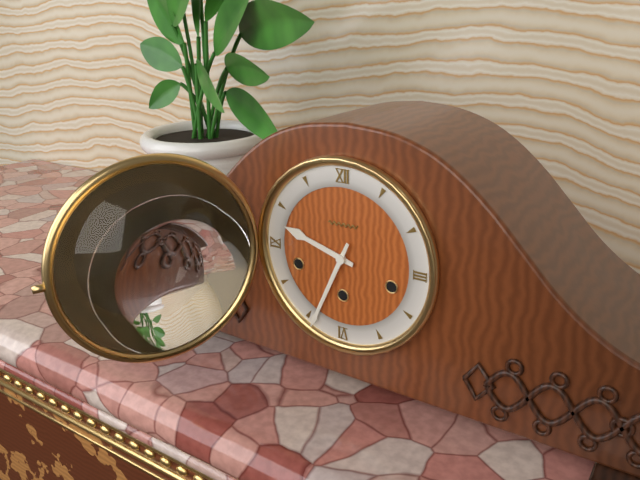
9:34
